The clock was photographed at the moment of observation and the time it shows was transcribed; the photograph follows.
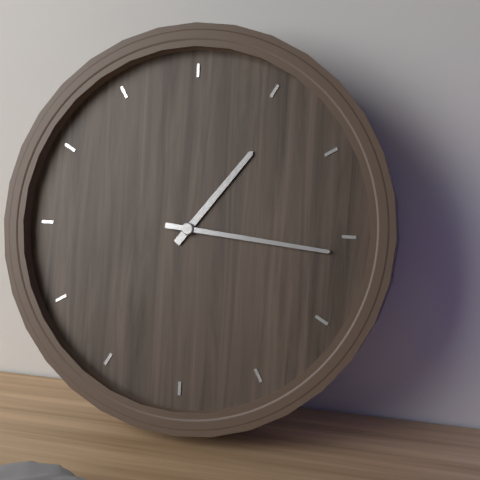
1:16
